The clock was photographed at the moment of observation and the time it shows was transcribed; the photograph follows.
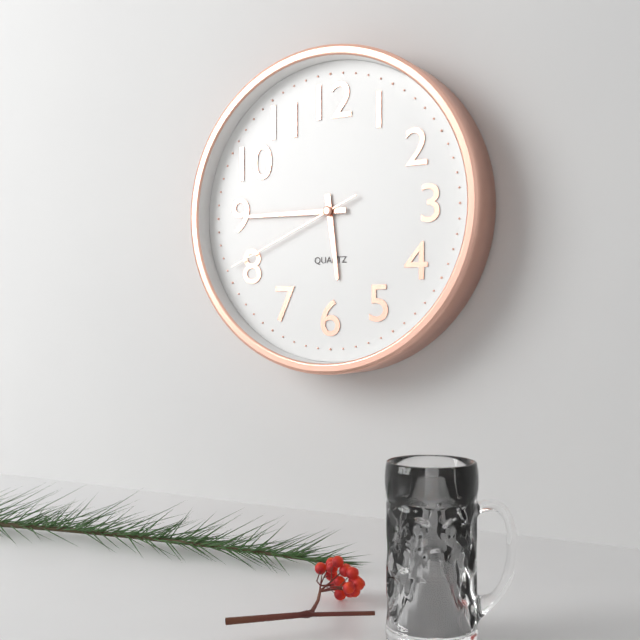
5:45:41
